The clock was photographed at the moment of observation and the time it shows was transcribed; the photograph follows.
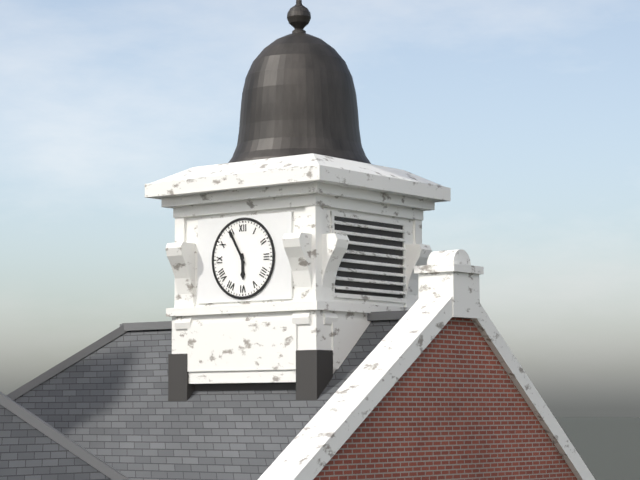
5:55
